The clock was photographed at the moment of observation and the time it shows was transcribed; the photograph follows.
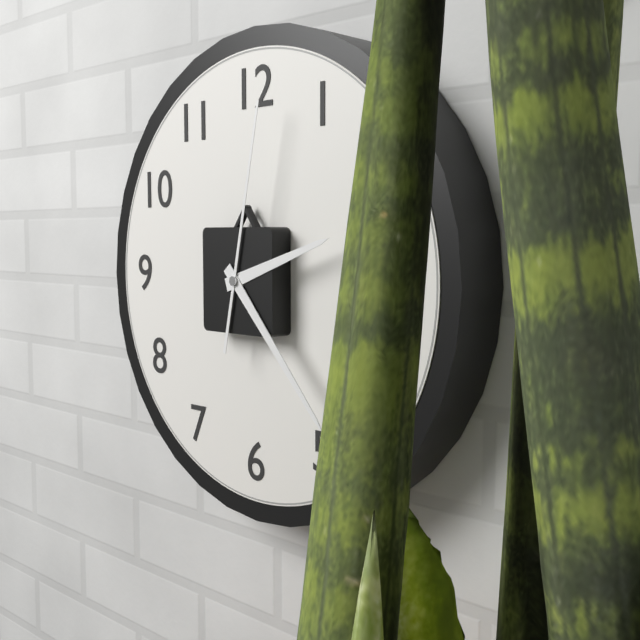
2:23:02
